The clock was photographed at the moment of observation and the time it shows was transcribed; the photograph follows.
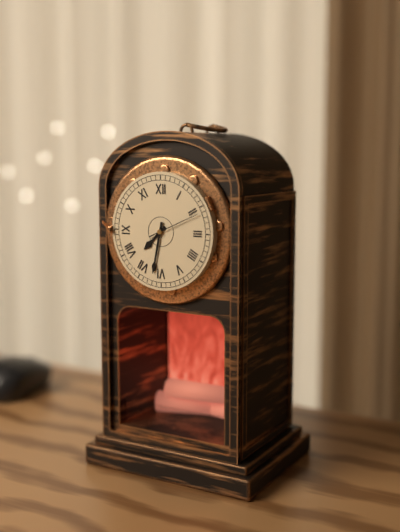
7:32
